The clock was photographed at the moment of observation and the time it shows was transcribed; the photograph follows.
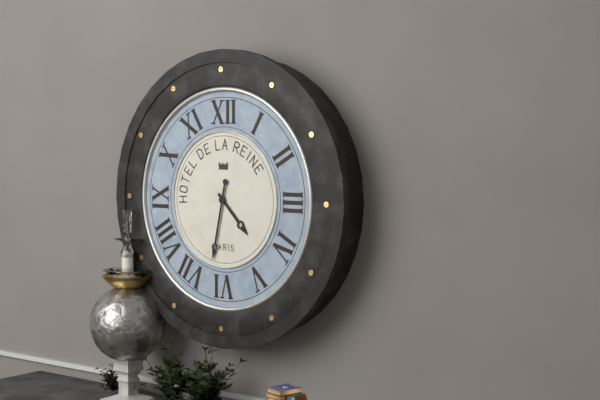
4:32
